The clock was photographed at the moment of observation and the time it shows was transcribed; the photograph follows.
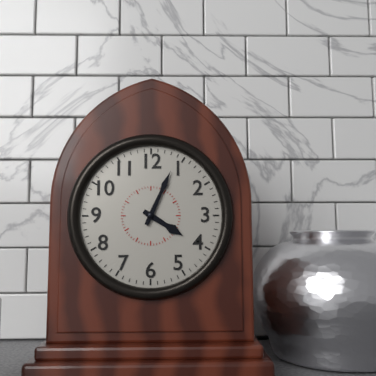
4:04
